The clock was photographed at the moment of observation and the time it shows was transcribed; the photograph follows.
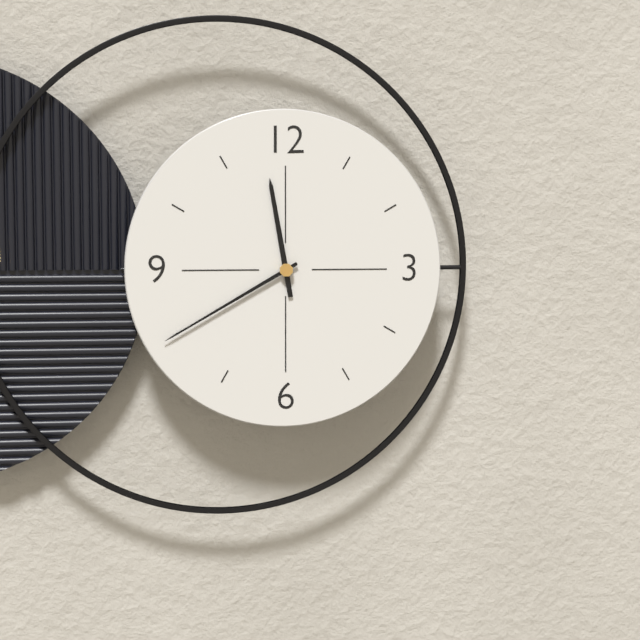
11:40
